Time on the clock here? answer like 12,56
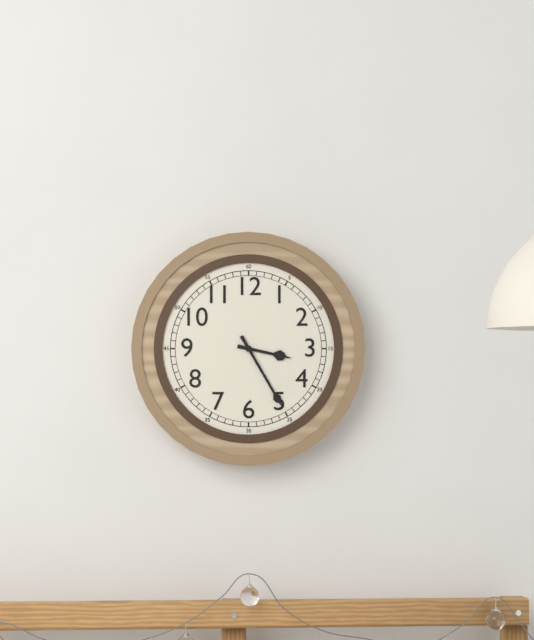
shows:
3,25
